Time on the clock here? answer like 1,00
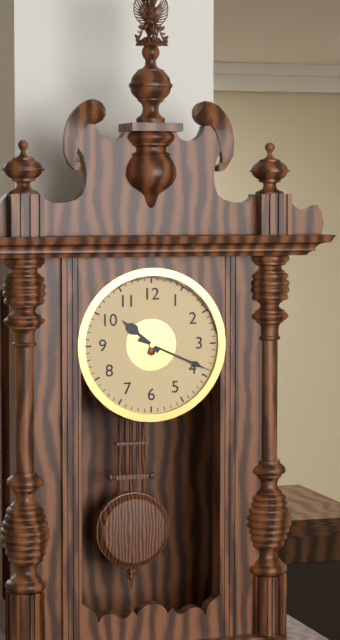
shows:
10,19
